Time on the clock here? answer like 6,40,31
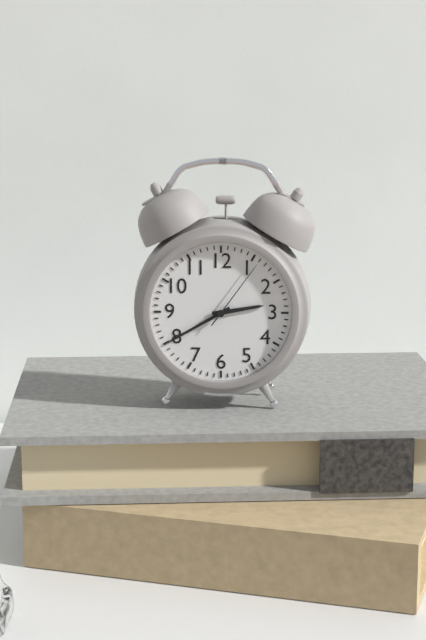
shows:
2,40,06
